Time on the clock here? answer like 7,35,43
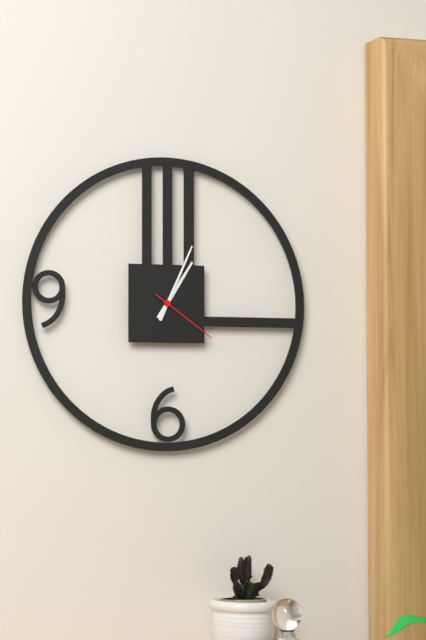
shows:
1,04,21
